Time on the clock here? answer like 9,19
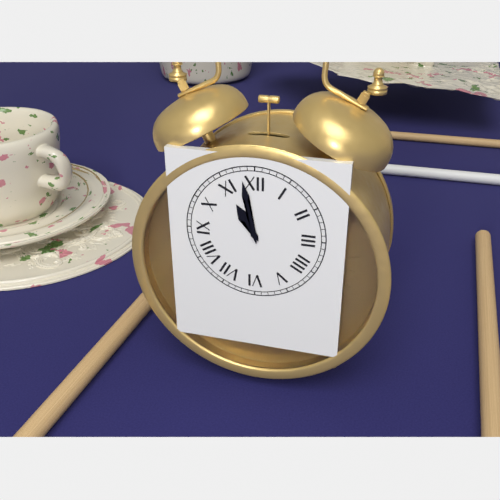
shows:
10,58
